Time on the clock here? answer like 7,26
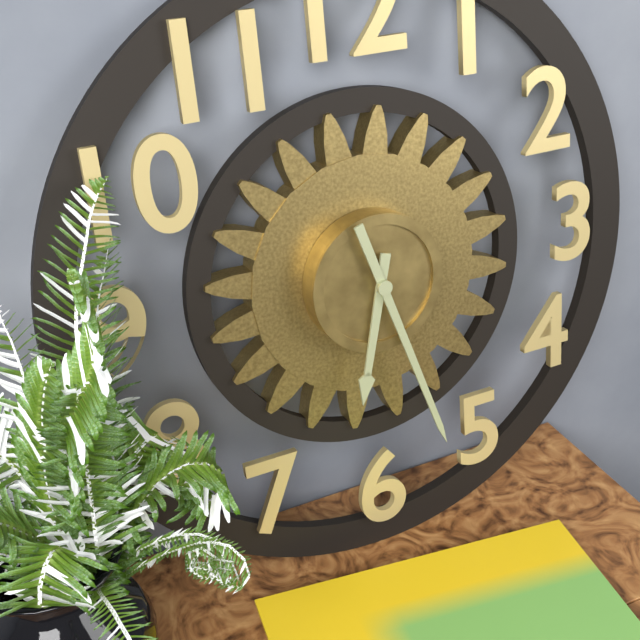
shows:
6,27
